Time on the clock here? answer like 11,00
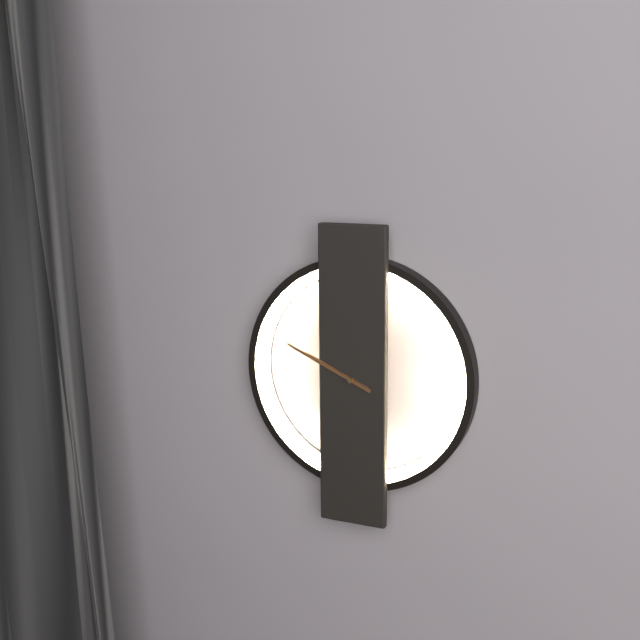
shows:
9,49
